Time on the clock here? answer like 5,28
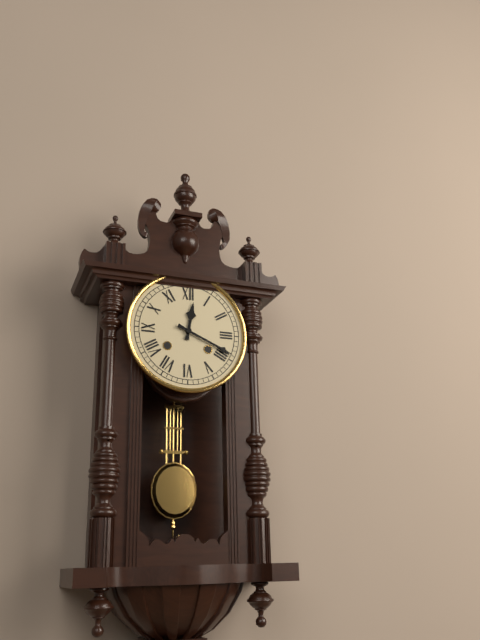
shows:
12,19
